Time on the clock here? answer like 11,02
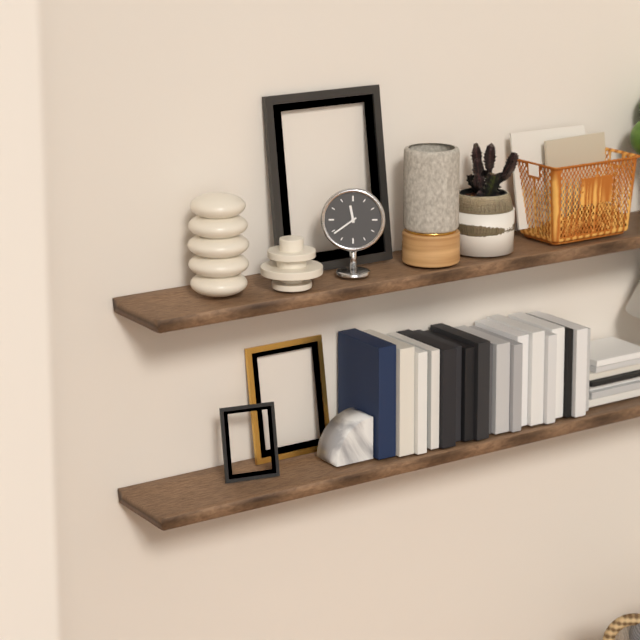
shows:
11,39
